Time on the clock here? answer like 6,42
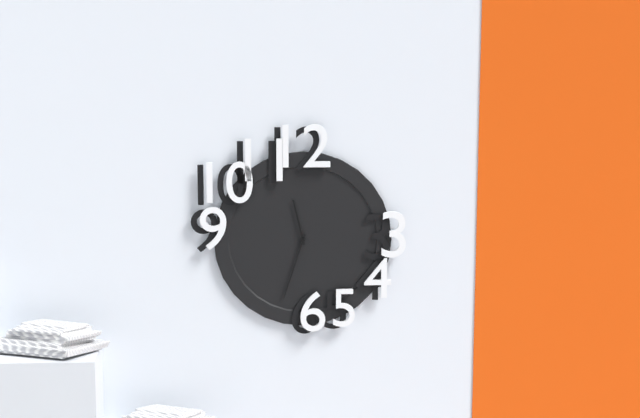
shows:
11,33
